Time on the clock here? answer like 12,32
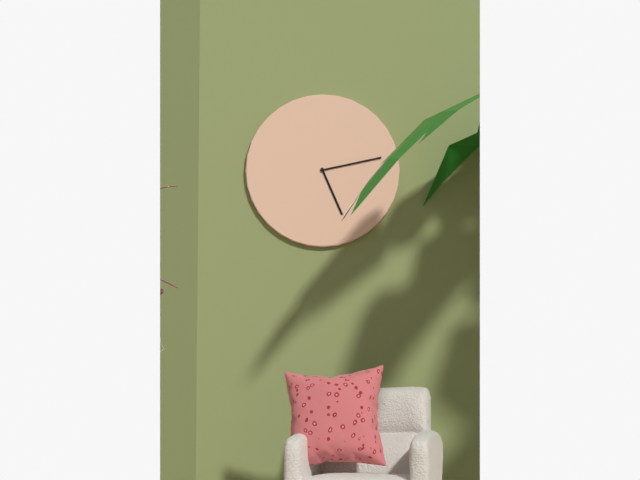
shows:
5,13
